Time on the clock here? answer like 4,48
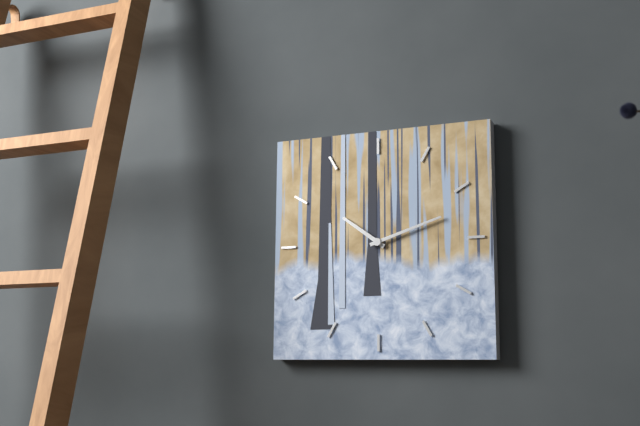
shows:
10,12
